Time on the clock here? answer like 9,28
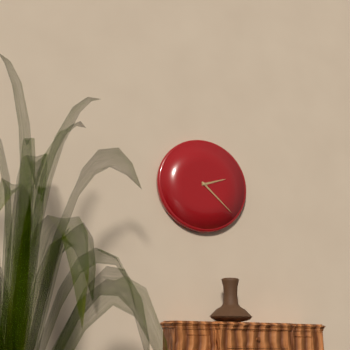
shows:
2,22
